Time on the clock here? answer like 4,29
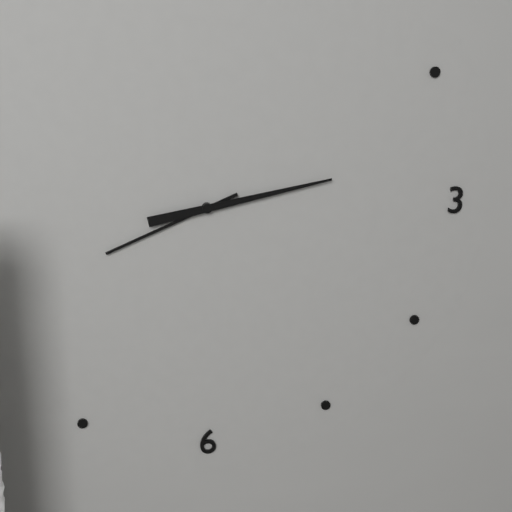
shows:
8,13
